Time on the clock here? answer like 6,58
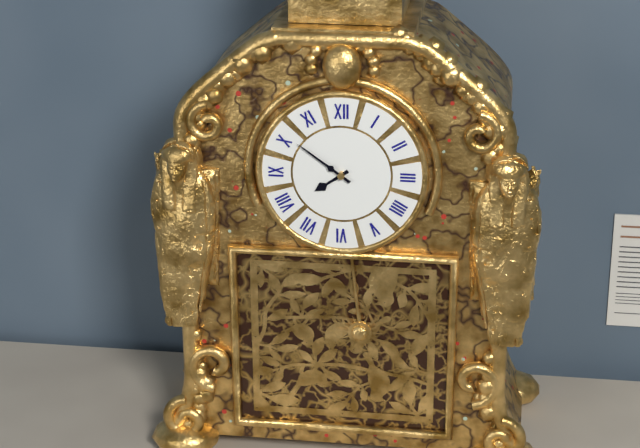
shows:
7,51
